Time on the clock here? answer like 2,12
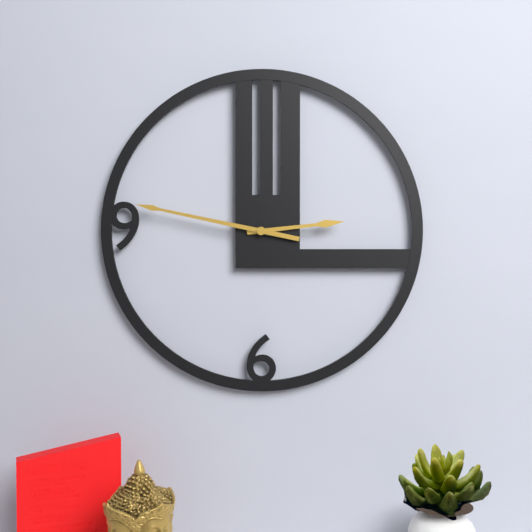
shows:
2,47
